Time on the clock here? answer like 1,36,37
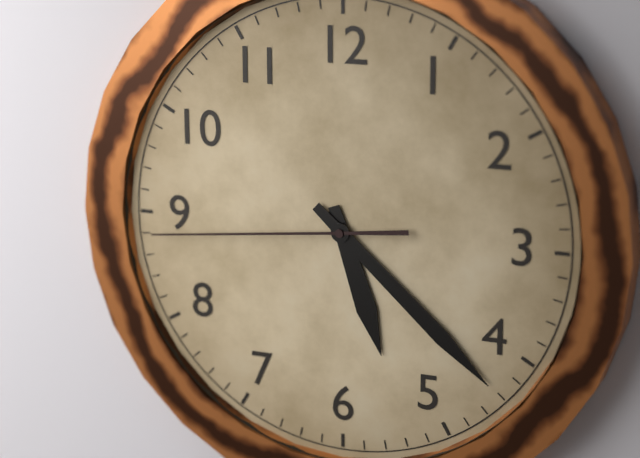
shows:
5,22,44
